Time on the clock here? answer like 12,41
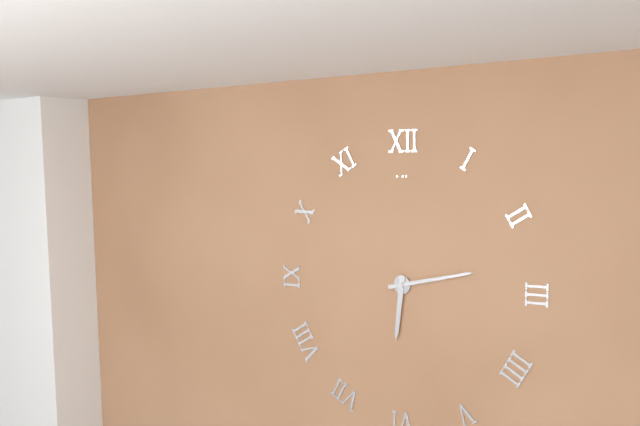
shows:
6,13
